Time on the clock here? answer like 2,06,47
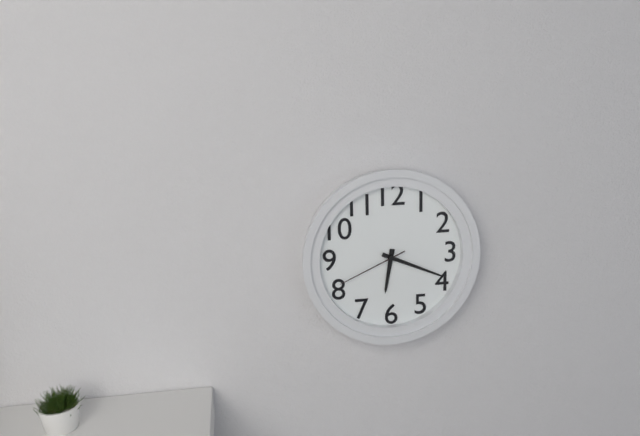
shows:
6,19,41
